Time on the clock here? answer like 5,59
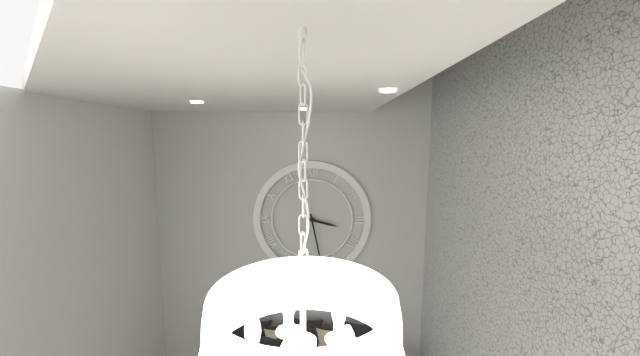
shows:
3,28
